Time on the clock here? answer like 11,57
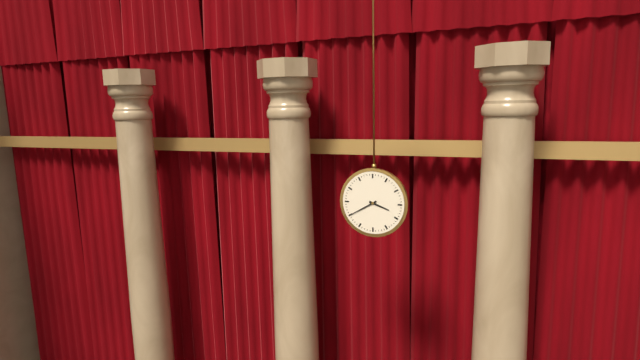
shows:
3,40
